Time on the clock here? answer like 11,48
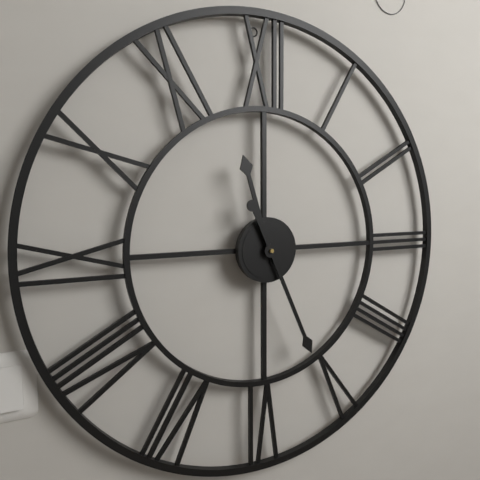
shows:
11,26
